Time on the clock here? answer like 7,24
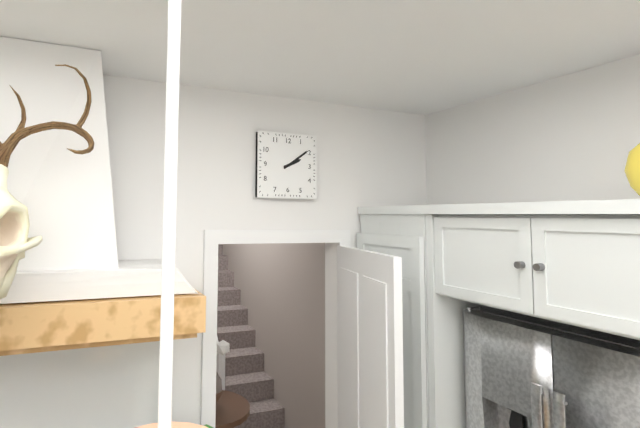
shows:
2,09
